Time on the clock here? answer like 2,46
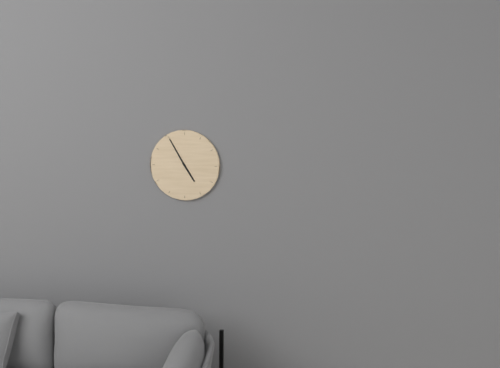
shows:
4,55
